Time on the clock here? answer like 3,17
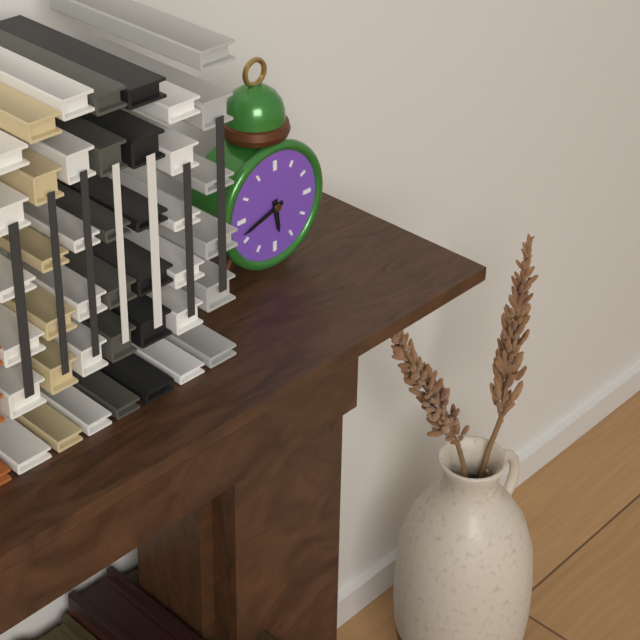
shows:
5,42
